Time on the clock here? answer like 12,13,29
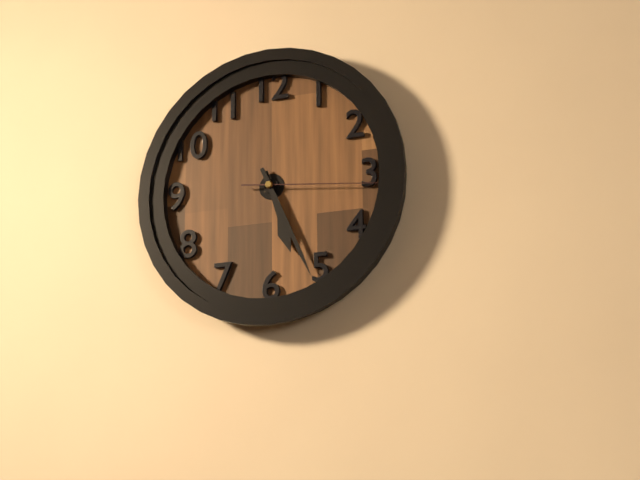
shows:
5,26,16
